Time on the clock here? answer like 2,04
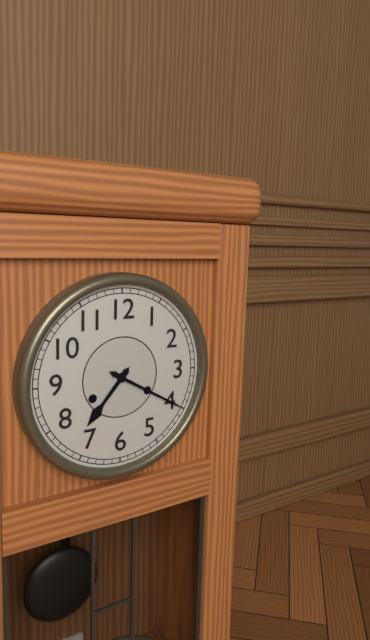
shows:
7,20
